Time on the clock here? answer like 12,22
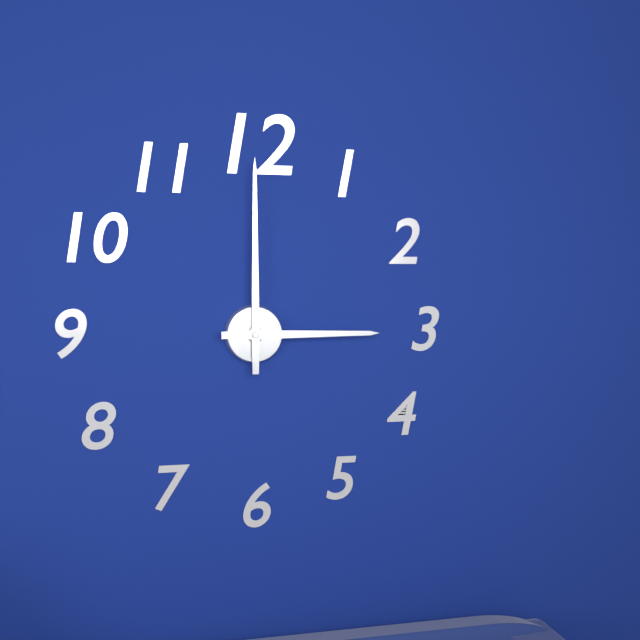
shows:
3,00
